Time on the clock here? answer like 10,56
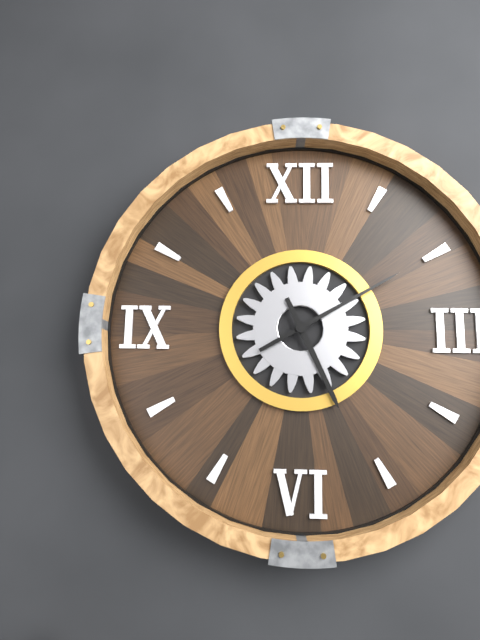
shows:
5,10
